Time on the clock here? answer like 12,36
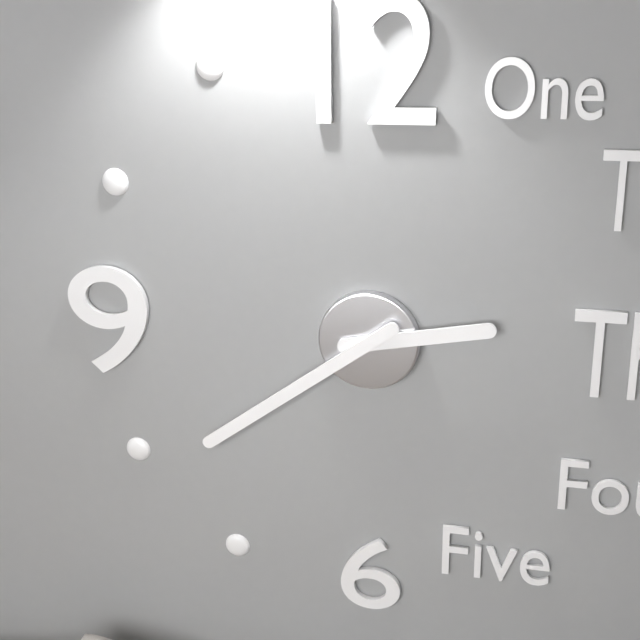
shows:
2,39
